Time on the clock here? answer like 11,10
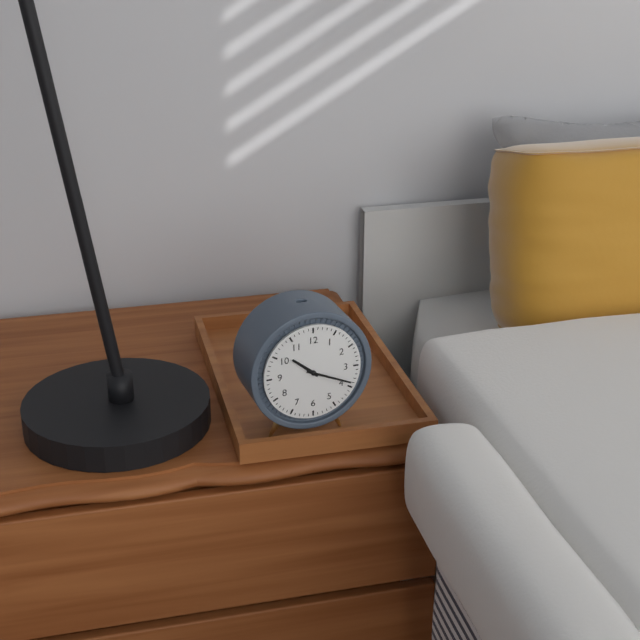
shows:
10,19
